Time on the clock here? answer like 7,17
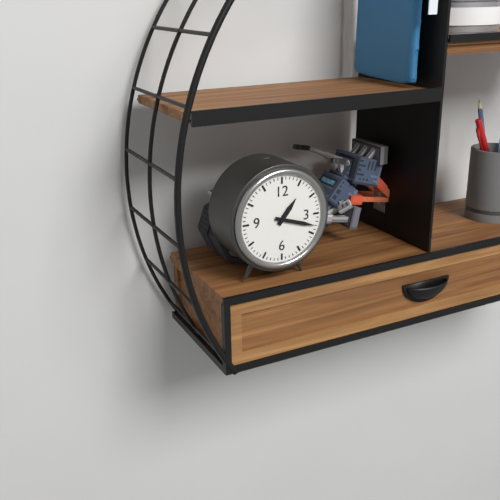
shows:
1,18
